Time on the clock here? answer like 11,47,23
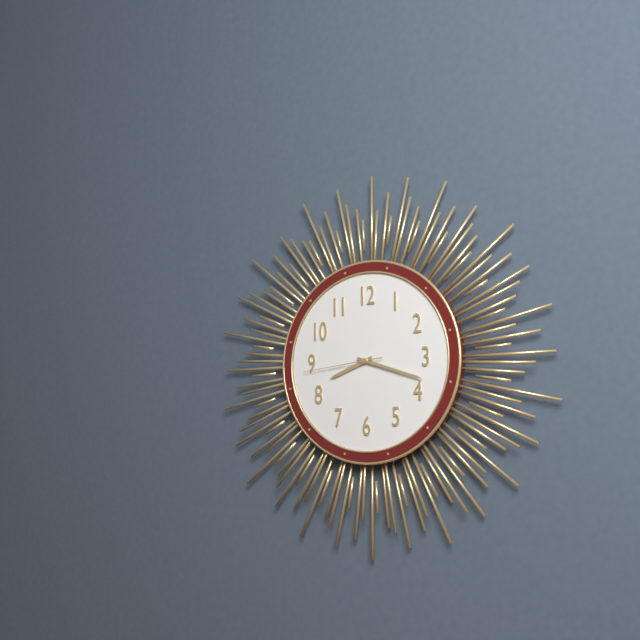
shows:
8,18,44
